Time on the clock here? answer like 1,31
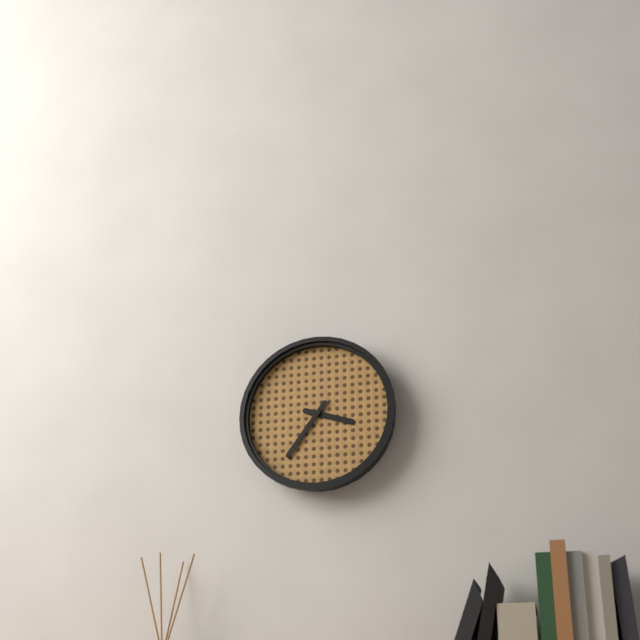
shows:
3,36
